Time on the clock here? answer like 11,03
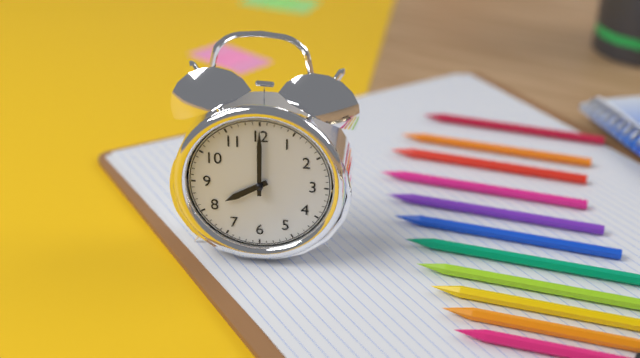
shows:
8,00
